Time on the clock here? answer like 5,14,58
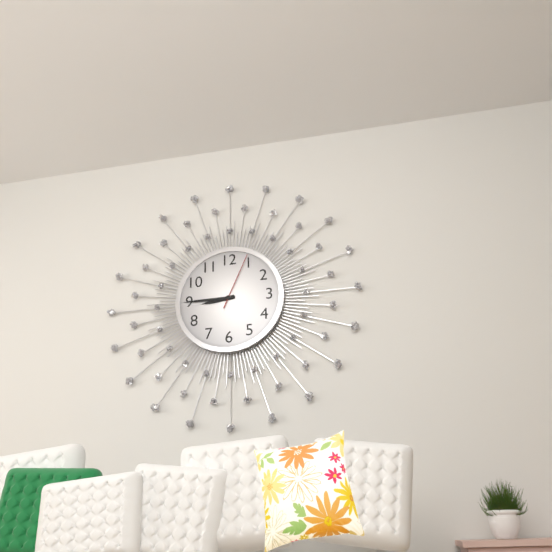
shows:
8,45,04
